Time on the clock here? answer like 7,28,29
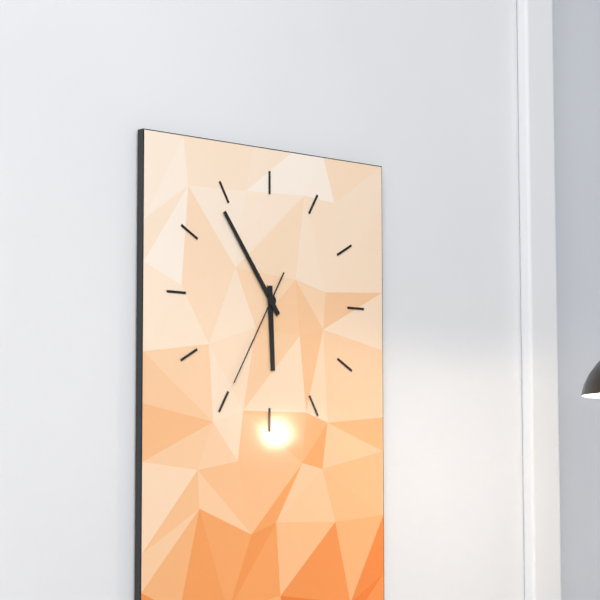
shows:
5,54,35
